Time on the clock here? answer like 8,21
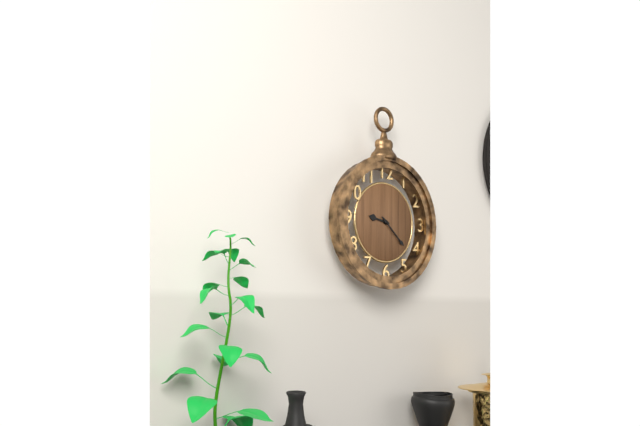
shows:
9,22
